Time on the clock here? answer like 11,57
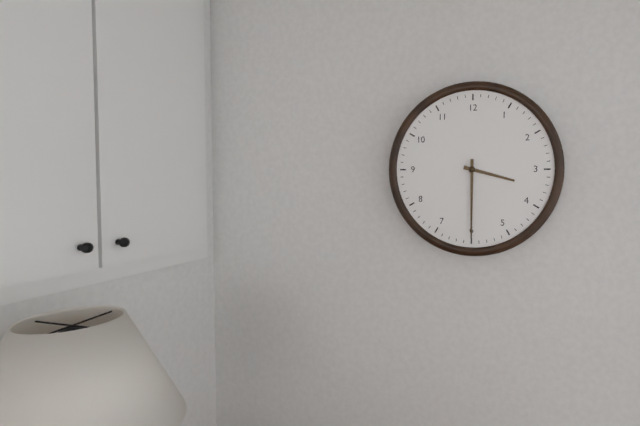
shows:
3,30
